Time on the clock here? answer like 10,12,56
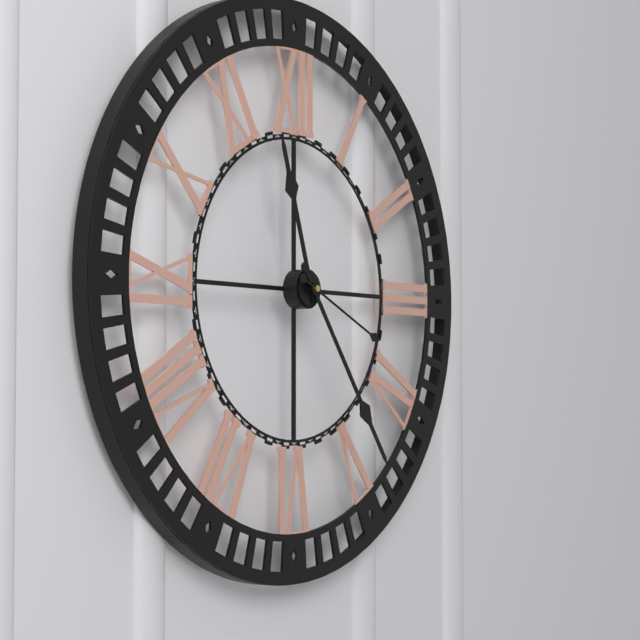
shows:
11,24,19
